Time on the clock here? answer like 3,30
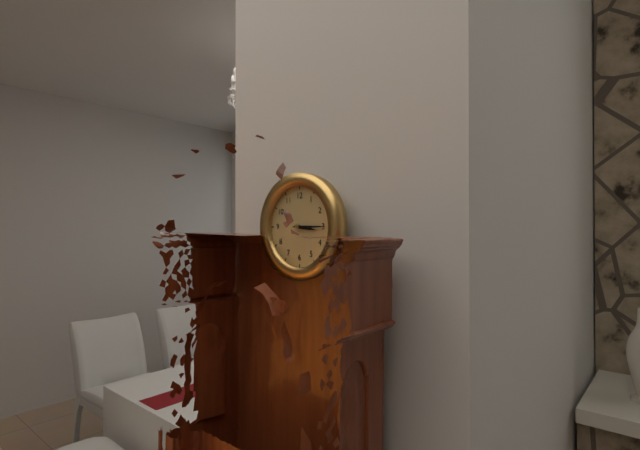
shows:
3,15
